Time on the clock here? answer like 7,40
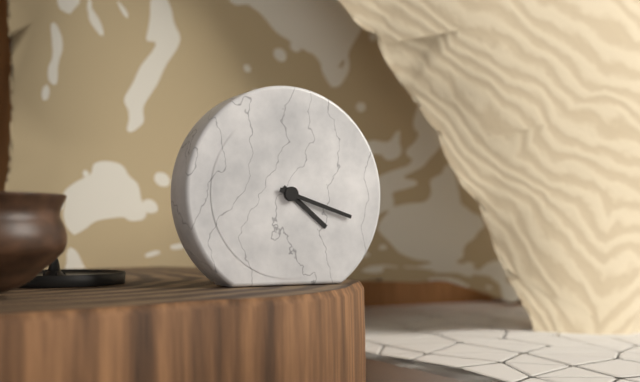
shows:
4,18
